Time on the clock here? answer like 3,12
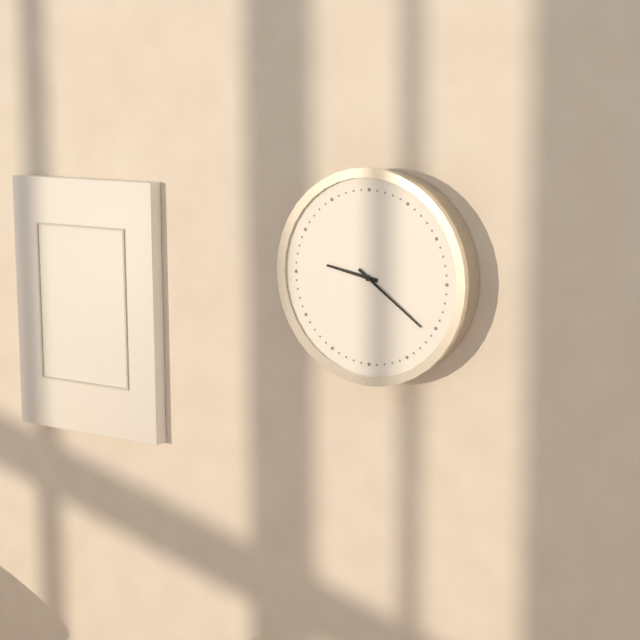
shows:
9,21
